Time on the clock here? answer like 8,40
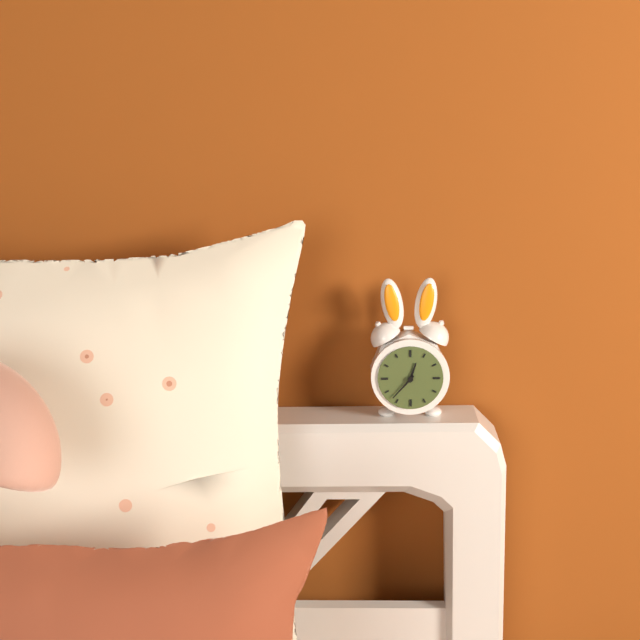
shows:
12,37
